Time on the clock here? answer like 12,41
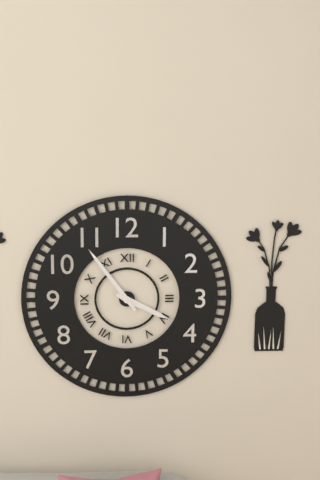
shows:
3,54
